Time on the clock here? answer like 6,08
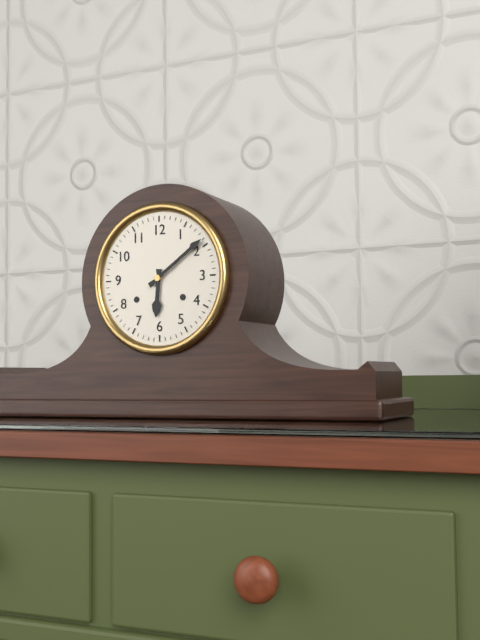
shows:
6,09
